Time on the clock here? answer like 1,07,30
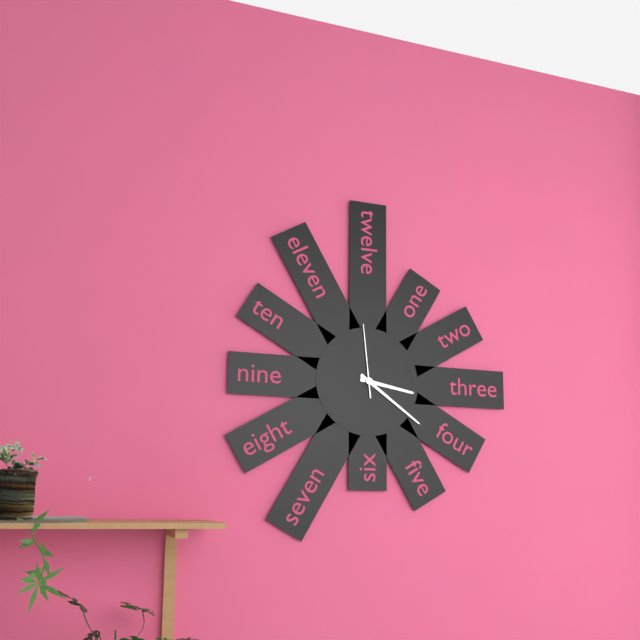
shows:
3,21,59
